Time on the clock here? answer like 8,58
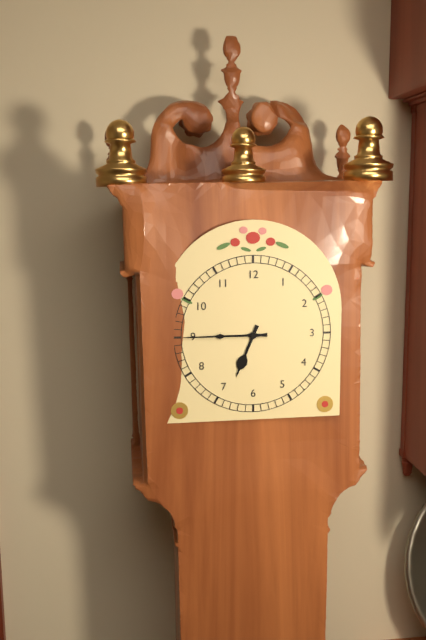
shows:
6,45
